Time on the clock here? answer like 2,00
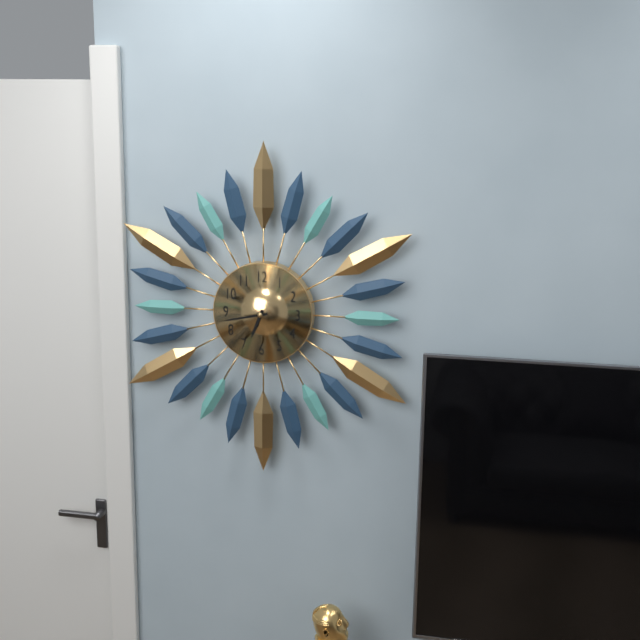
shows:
6,43
